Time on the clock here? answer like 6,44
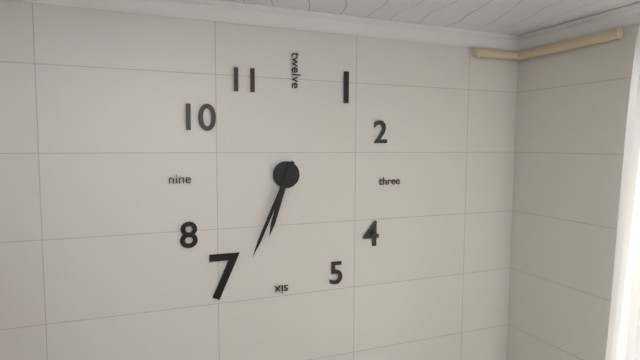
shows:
6,34
